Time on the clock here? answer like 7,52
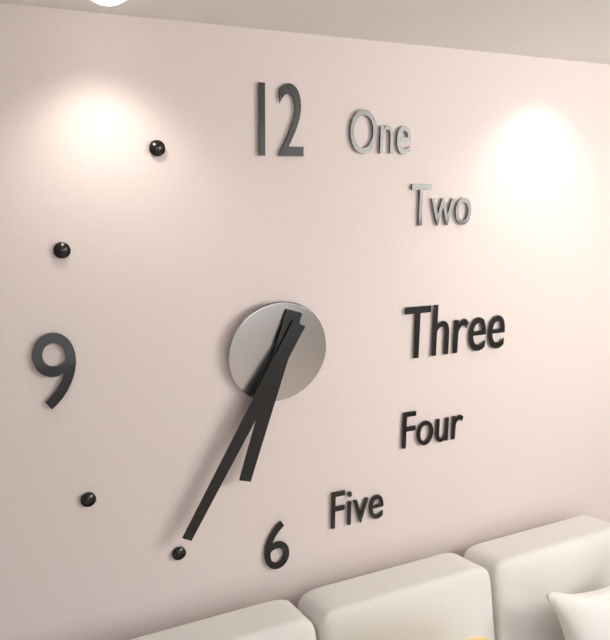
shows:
6,35
